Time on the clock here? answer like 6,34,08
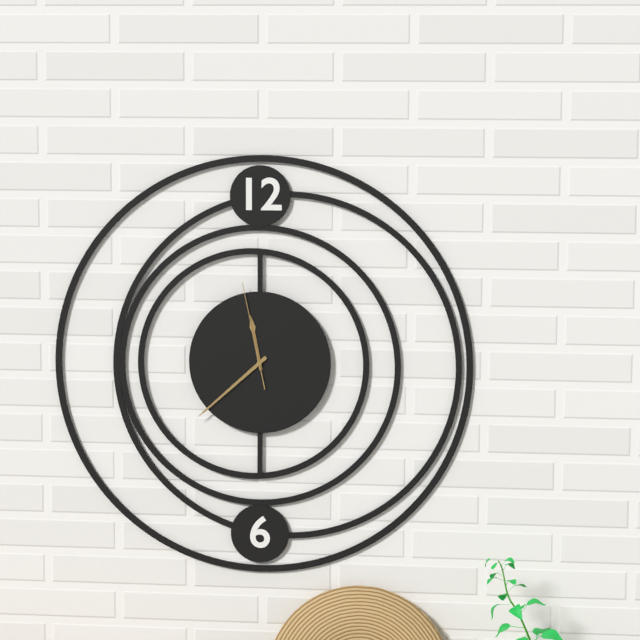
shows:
11,38,58
